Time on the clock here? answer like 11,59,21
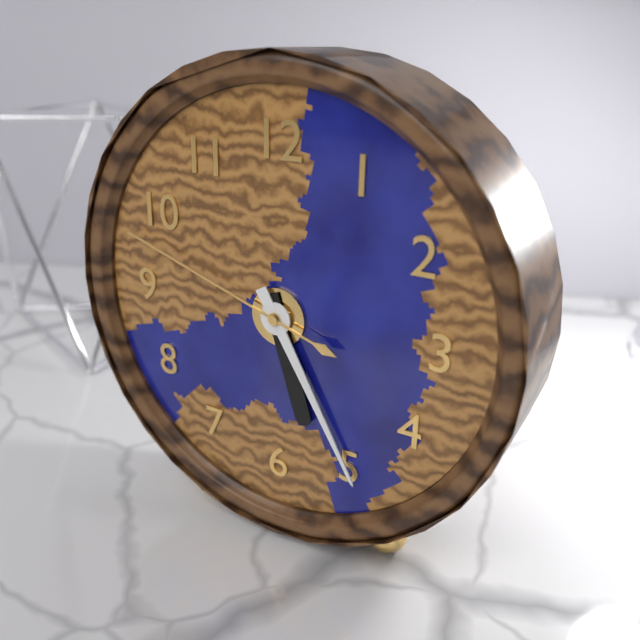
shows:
5,25,48
